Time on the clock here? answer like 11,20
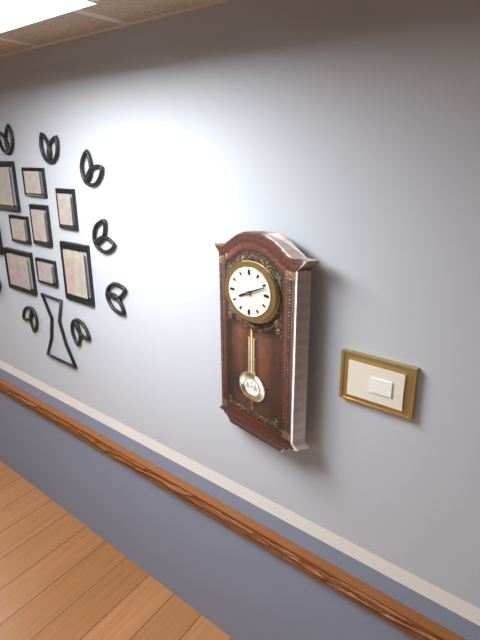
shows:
8,11
